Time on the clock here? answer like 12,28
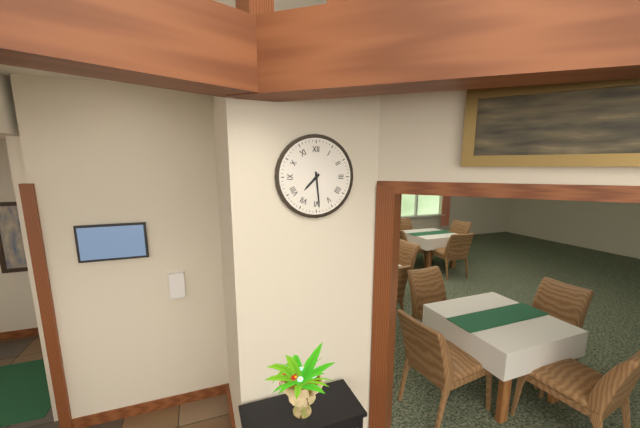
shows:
7,29
